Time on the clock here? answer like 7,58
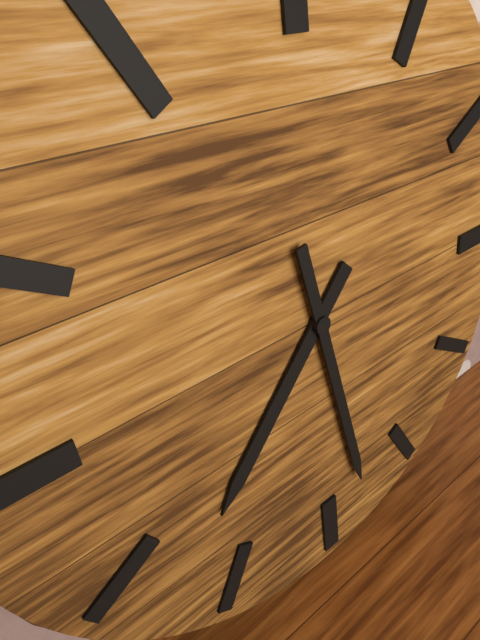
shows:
7,28
